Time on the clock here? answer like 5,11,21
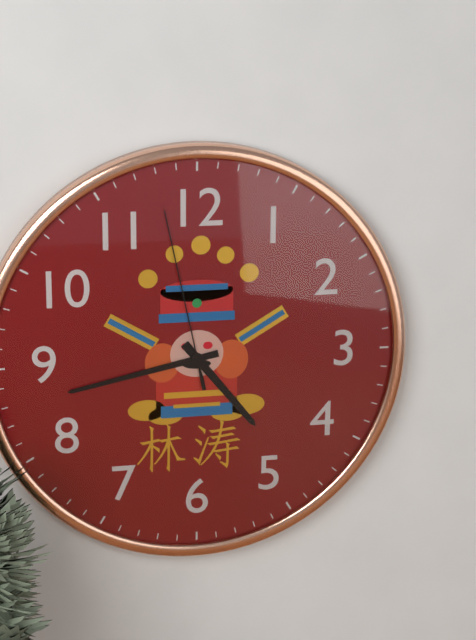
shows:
4,43,58
